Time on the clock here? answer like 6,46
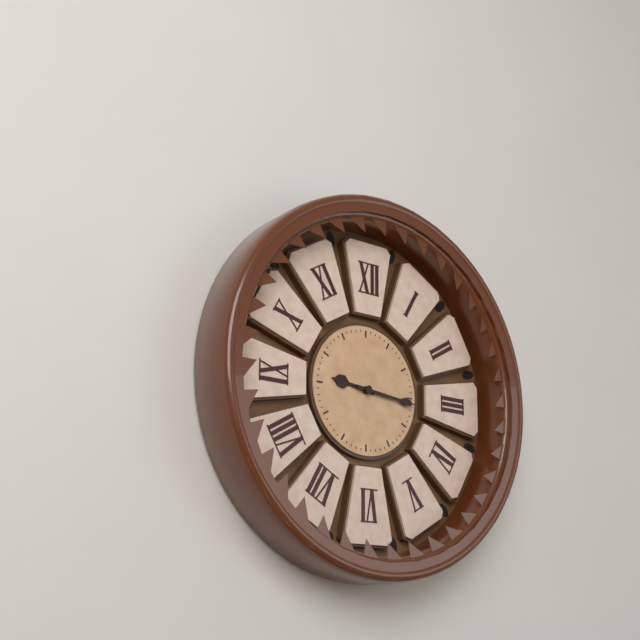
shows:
9,16
